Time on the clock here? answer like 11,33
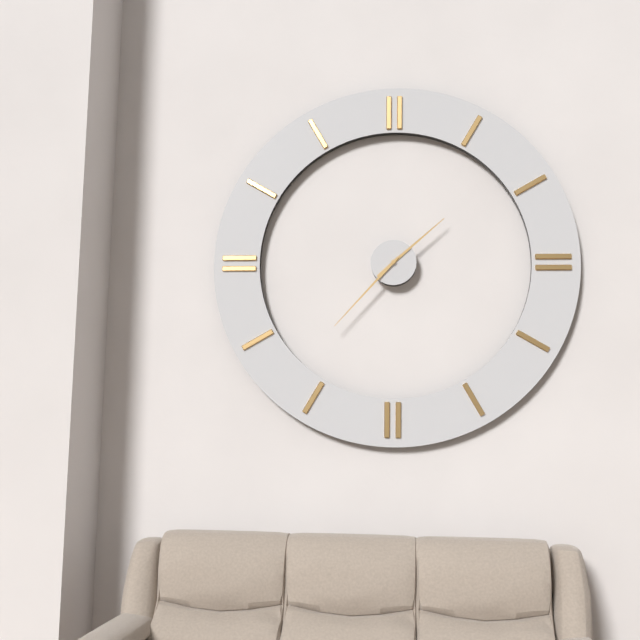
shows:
1,37
